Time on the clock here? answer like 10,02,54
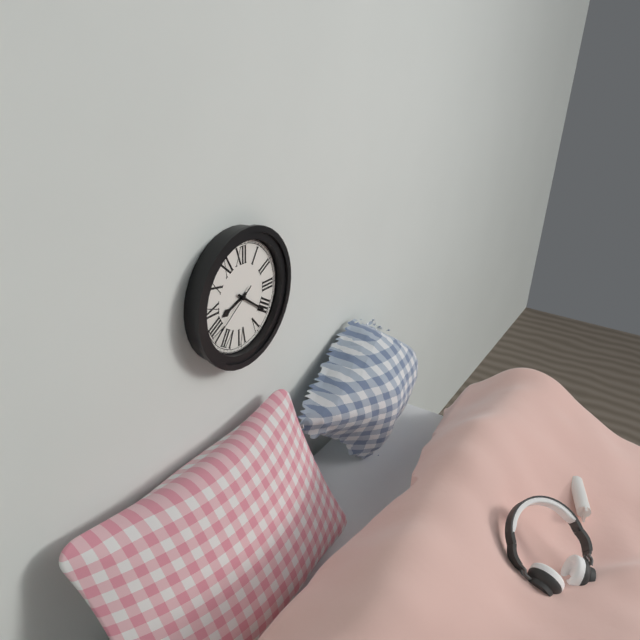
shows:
8,21,39
